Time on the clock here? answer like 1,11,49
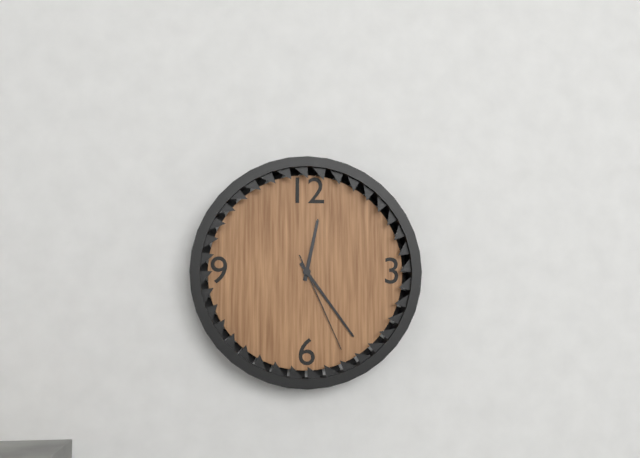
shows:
12,24,26
